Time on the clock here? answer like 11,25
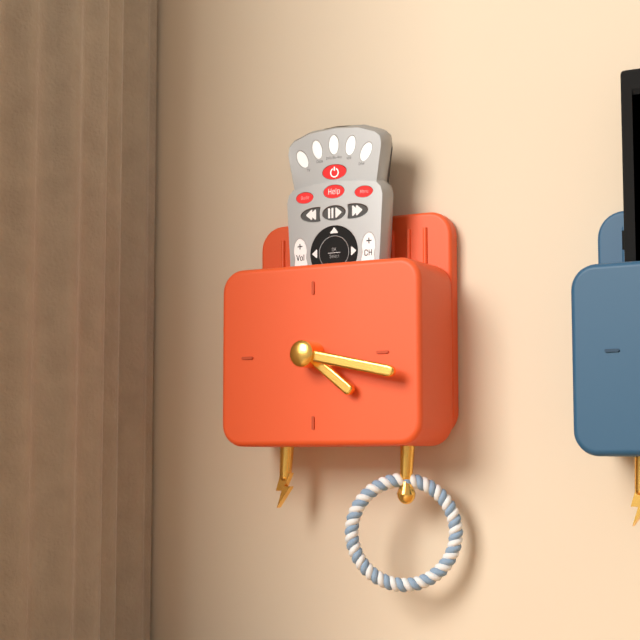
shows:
4,17
